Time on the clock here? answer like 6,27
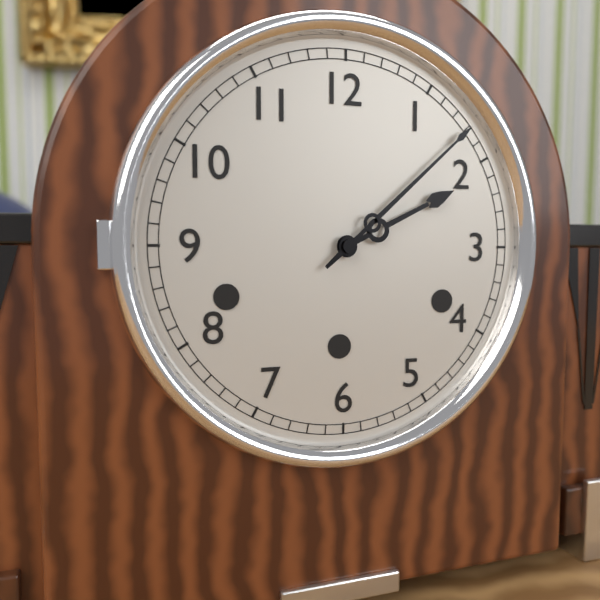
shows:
2,08
